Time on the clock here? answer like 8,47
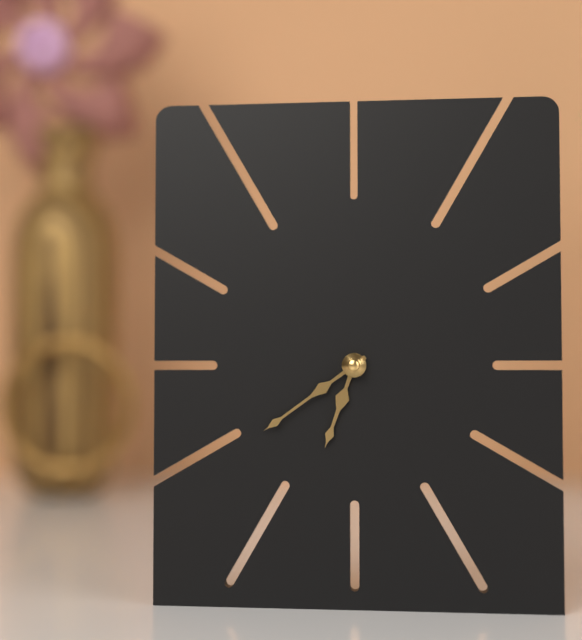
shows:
6,39
